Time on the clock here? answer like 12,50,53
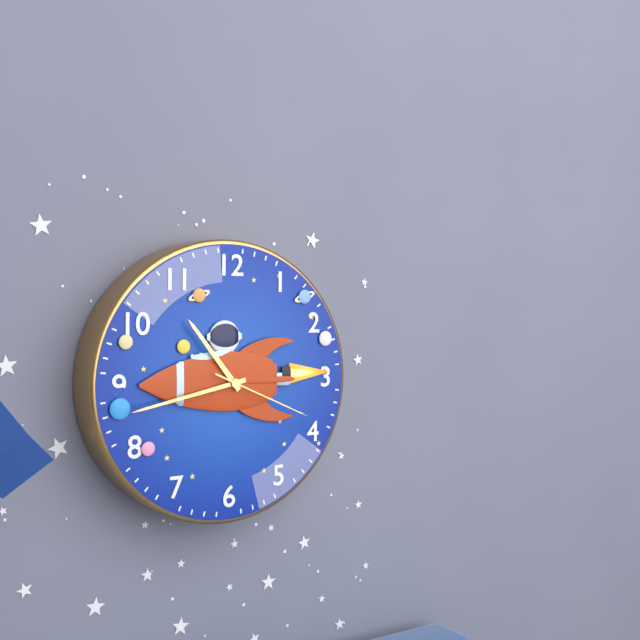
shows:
10,43,19
